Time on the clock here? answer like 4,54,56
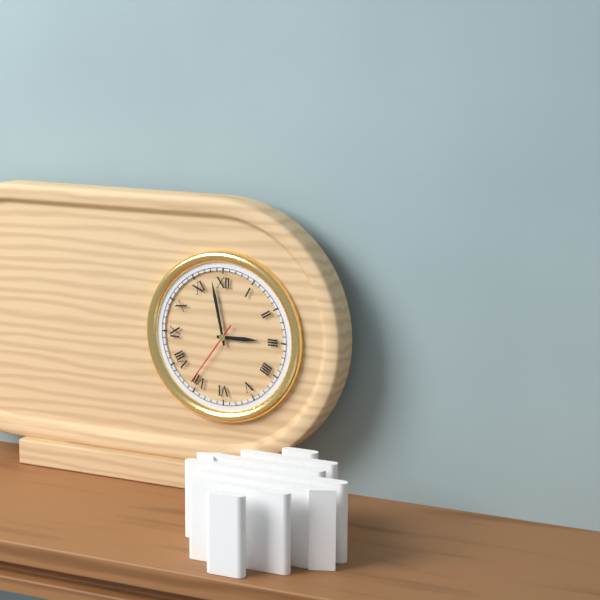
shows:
2,58,36
